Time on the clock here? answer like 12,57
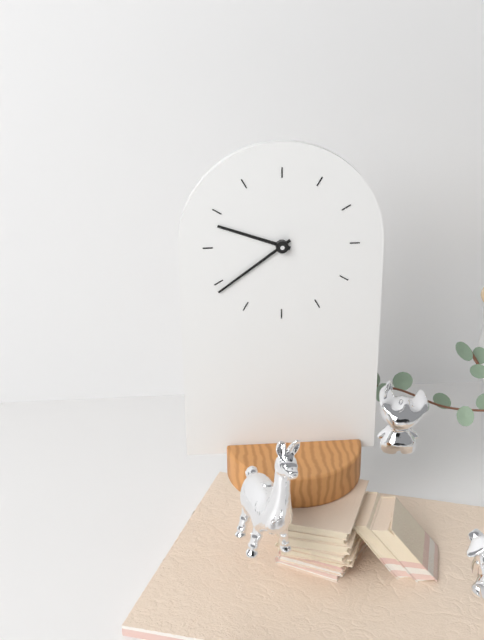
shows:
9,39
